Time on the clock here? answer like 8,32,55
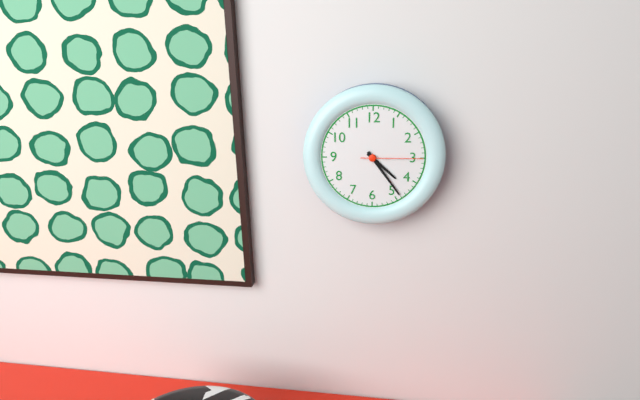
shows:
4,24,15
